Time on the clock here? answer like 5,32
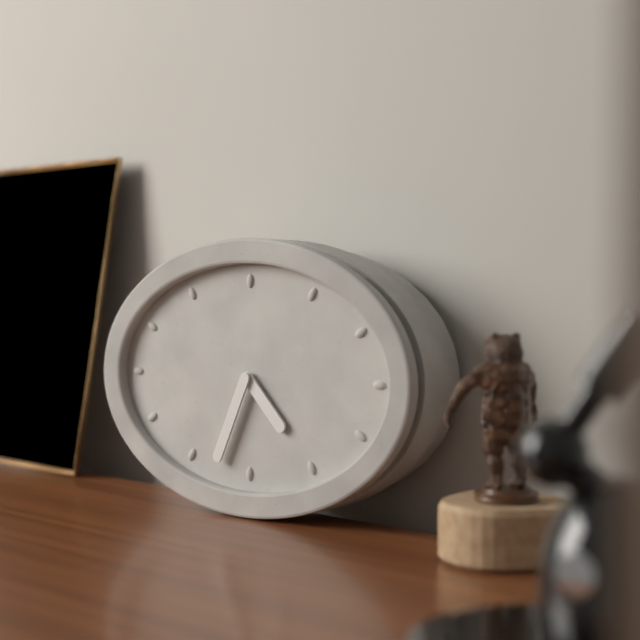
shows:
4,34
